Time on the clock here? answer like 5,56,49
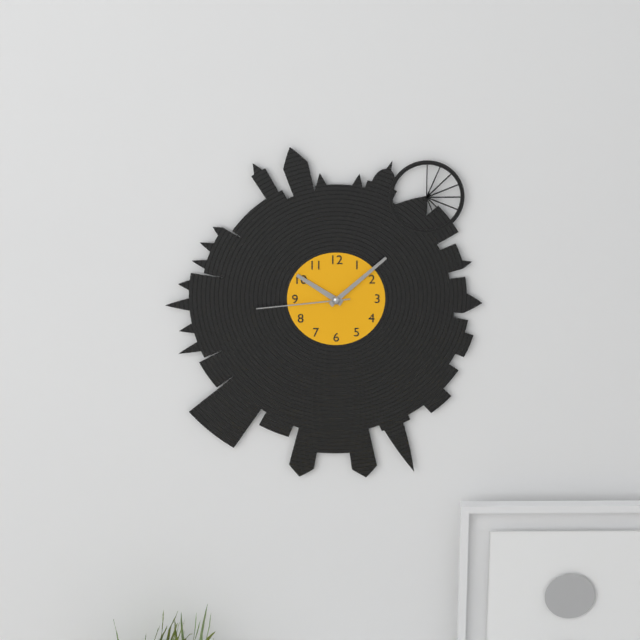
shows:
10,08,44
